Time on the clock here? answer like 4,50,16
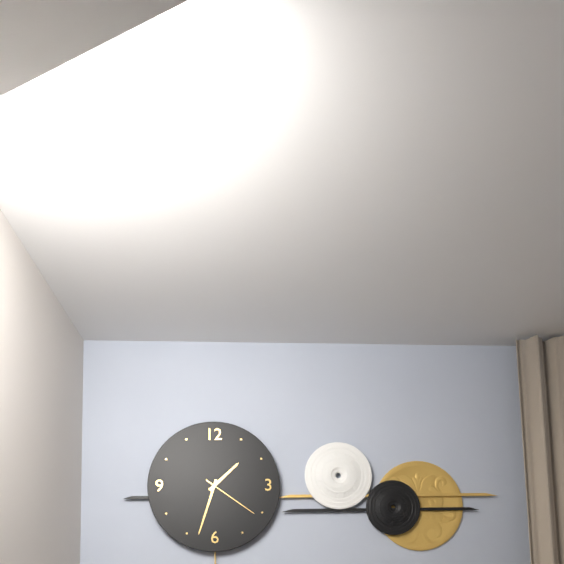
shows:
1,33,21
